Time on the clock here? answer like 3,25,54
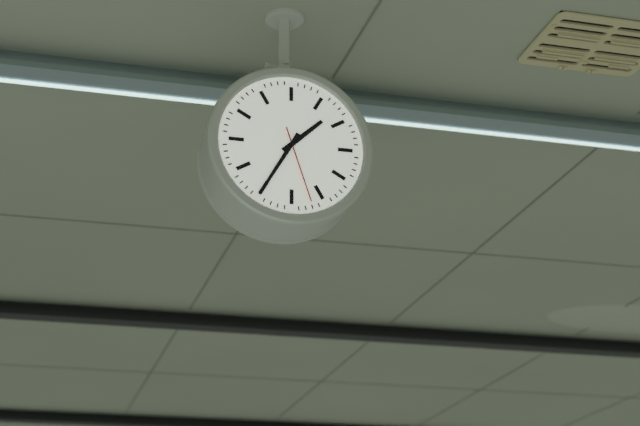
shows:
1,35,27
